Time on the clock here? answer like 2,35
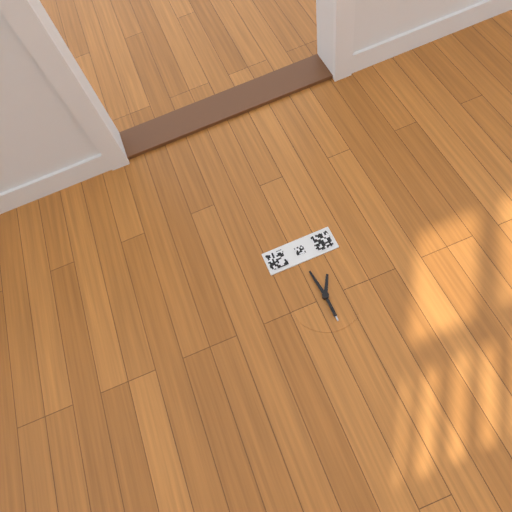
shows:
12,59
